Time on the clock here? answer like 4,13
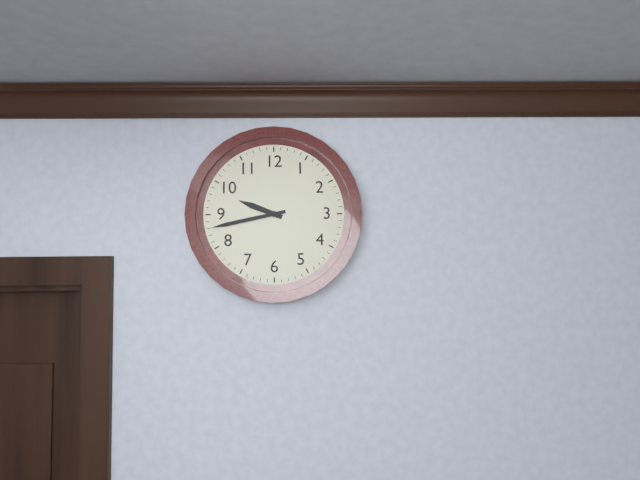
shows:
9,43
